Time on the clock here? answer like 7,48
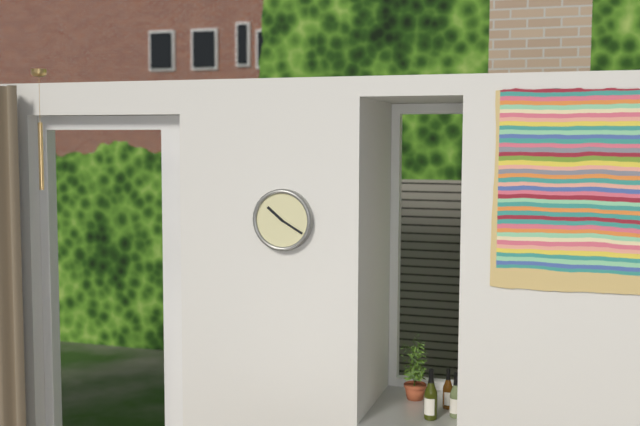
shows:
10,20
